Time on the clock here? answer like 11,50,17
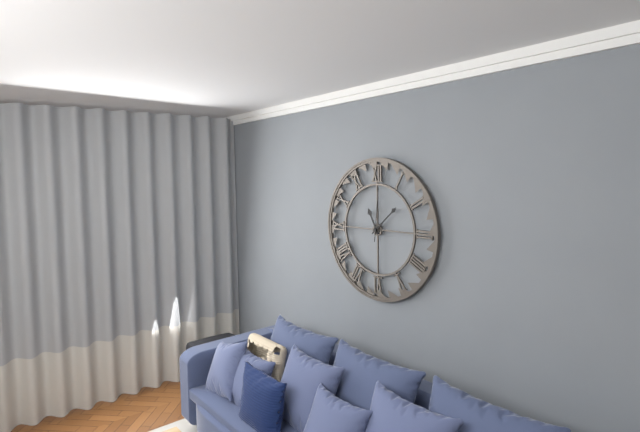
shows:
11,08,01
